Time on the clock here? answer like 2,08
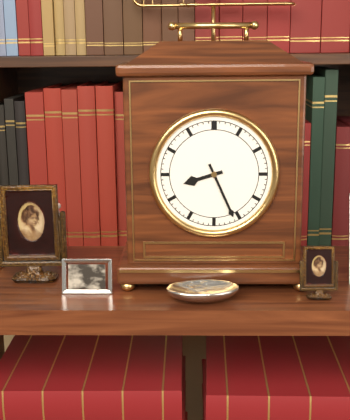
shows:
8,26
